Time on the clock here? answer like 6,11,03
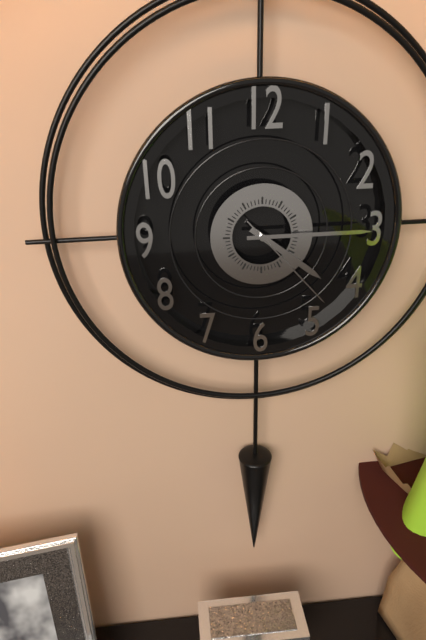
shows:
4,15,23
